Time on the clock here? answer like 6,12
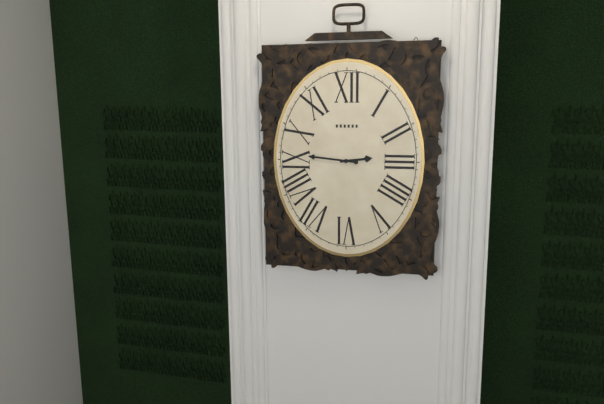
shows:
2,46
